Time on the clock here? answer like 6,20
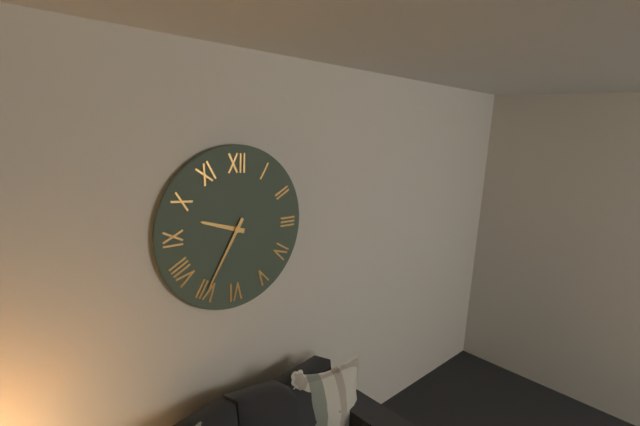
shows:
9,35
